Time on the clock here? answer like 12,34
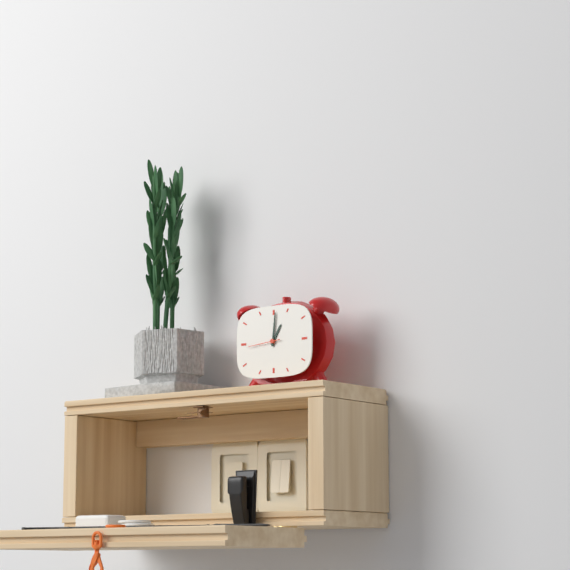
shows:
1,01
